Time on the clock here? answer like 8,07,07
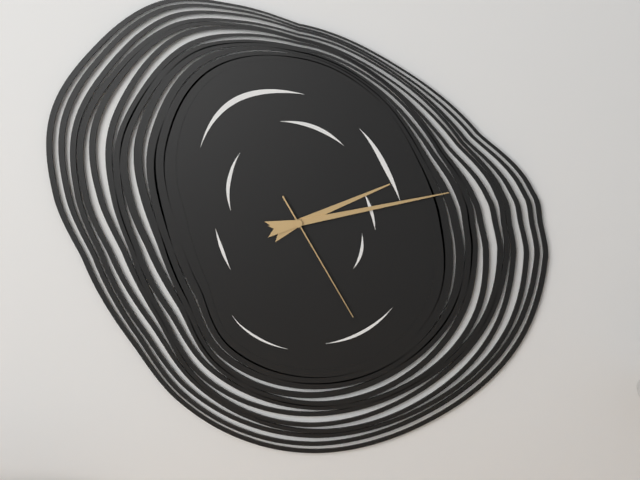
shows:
2,13,25
